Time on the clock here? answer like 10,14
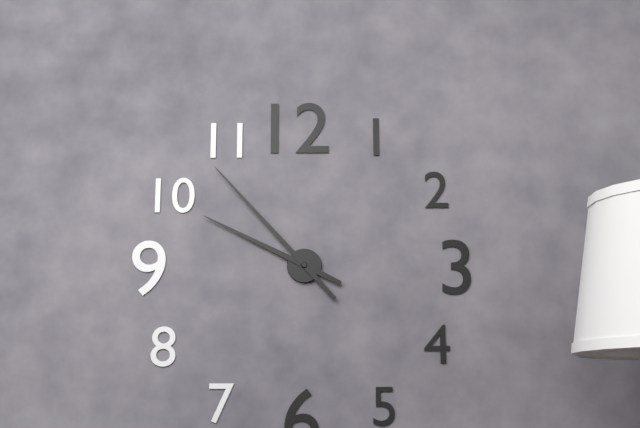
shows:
9,53
